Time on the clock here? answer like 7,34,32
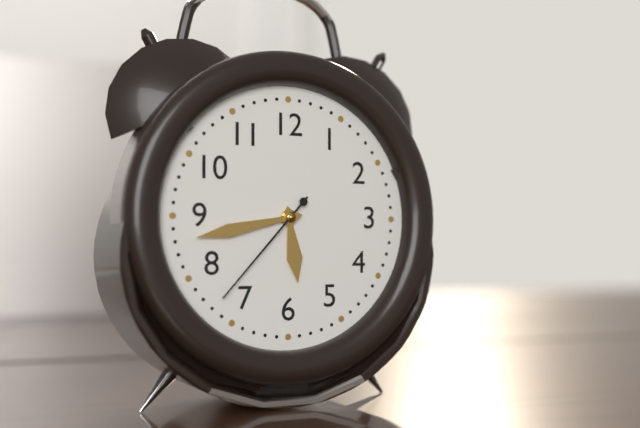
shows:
5,43,37
